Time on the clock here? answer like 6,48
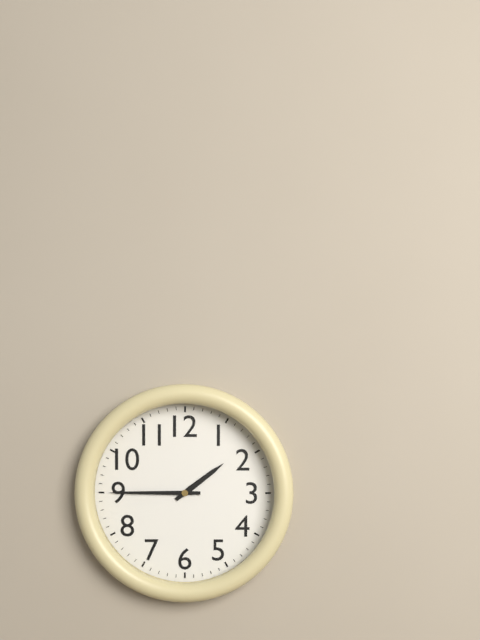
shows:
1,45
